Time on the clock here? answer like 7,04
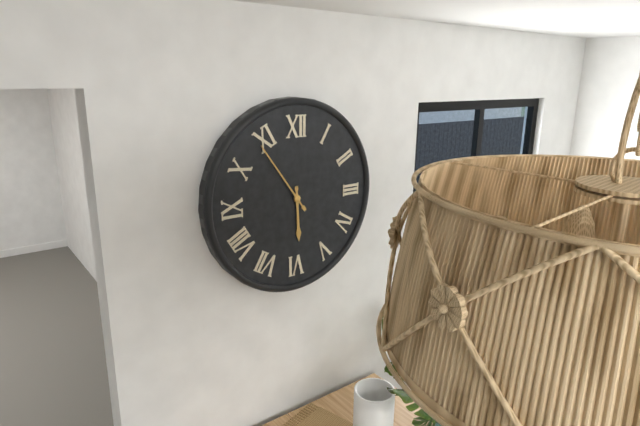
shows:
5,54
